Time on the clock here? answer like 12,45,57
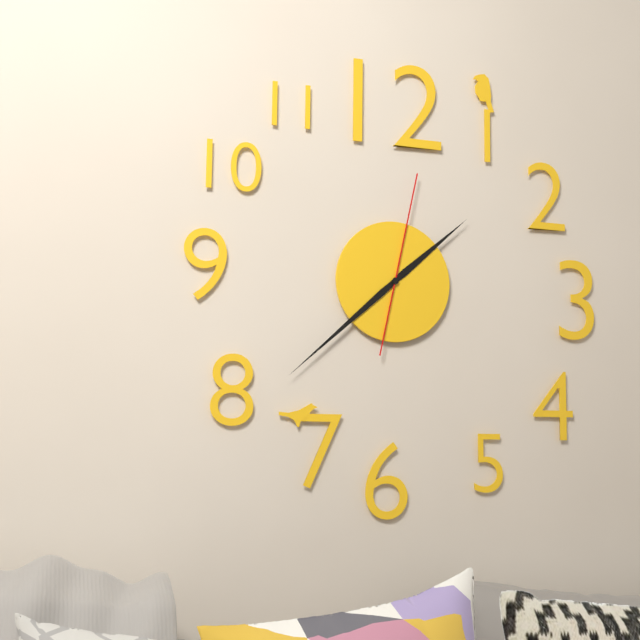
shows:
1,38,02
